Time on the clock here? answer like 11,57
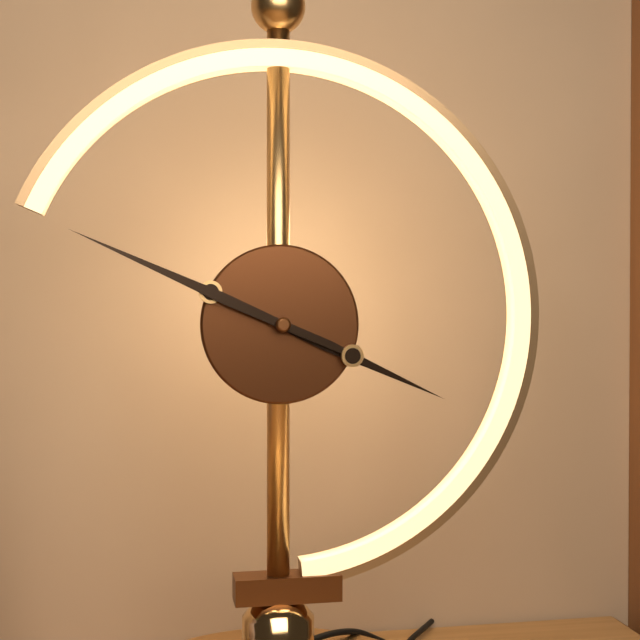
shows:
3,49
